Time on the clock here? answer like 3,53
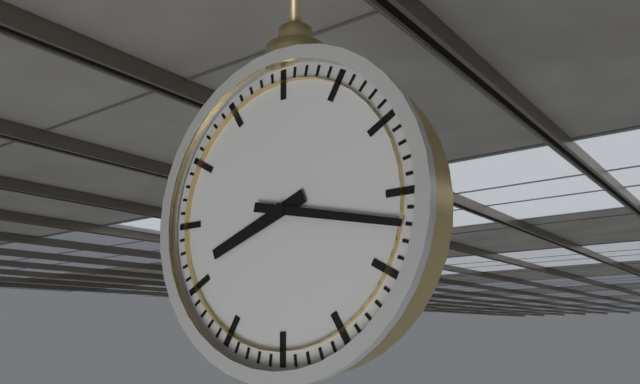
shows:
8,17
